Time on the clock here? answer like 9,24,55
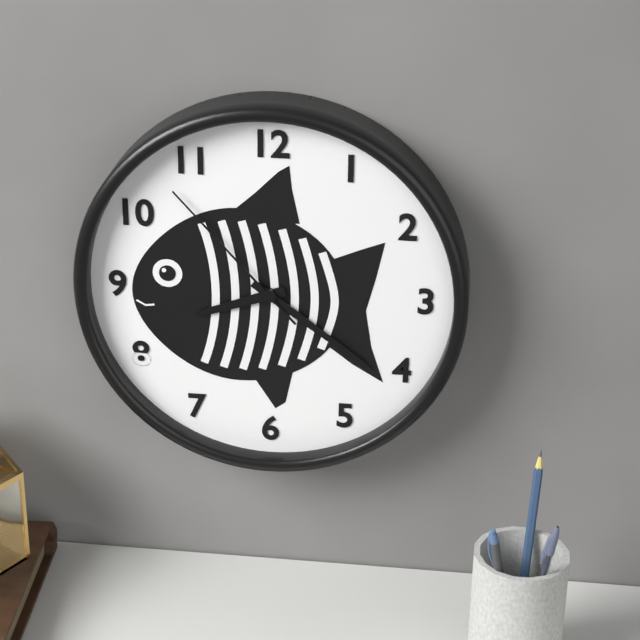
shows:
8,21,53
